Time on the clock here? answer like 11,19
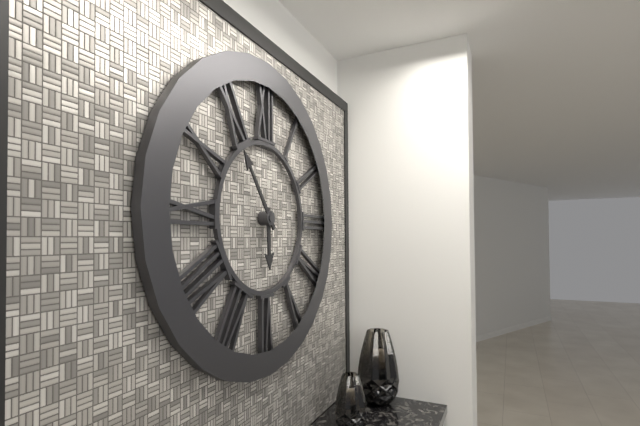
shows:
5,54
